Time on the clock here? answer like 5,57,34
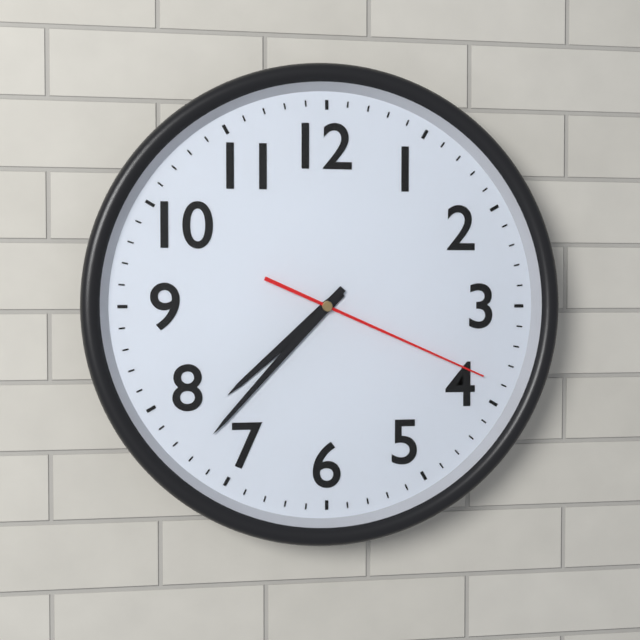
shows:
7,37,19
